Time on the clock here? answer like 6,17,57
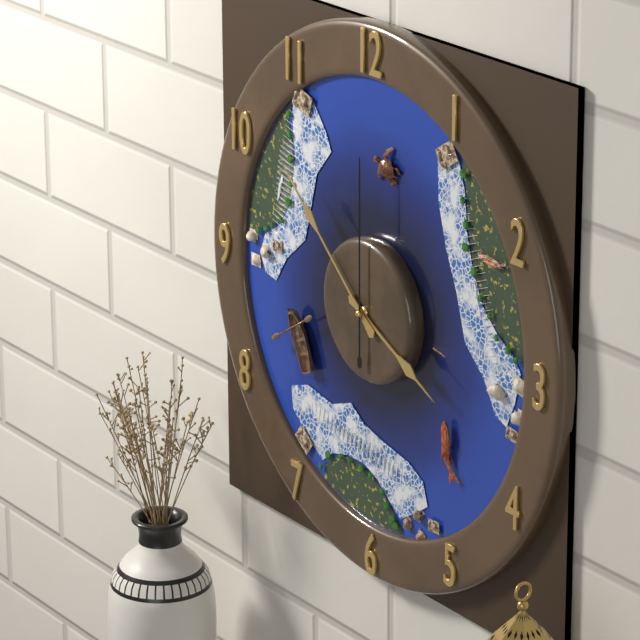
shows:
3,52,00
